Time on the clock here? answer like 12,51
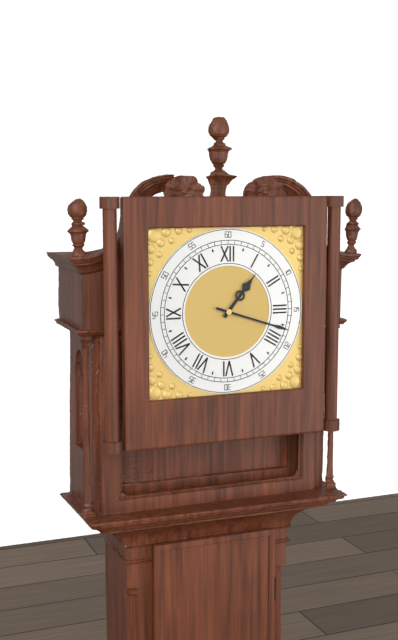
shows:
1,18
